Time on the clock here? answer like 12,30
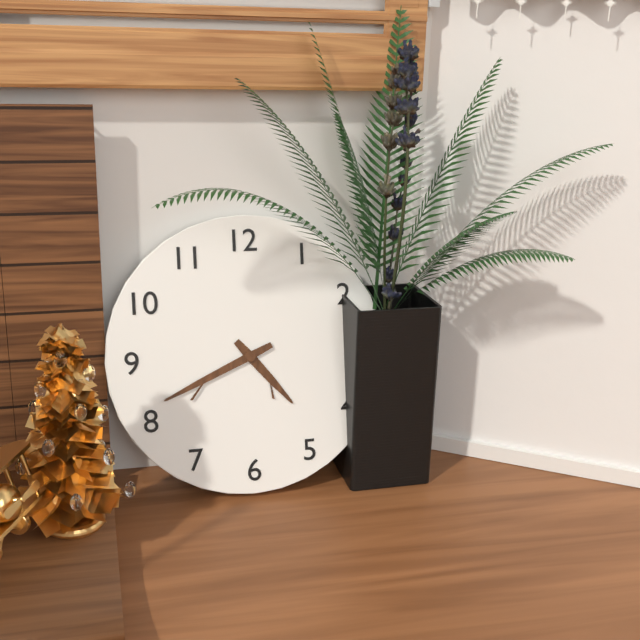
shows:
4,41
